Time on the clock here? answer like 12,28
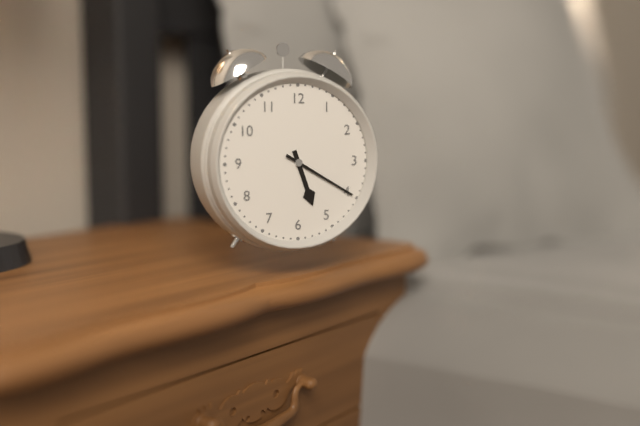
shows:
5,20
